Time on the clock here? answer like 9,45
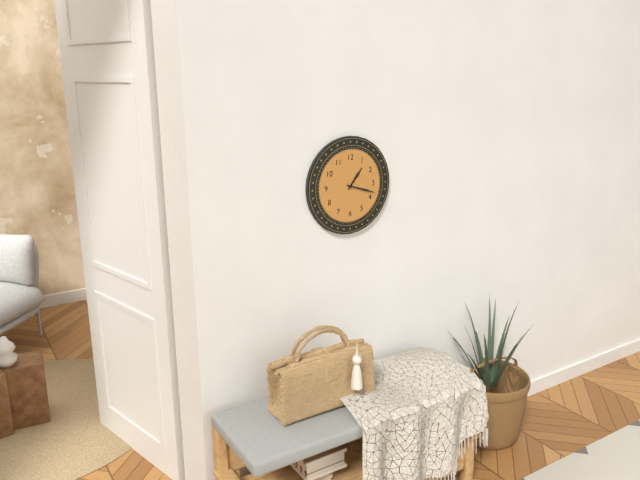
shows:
1,18
